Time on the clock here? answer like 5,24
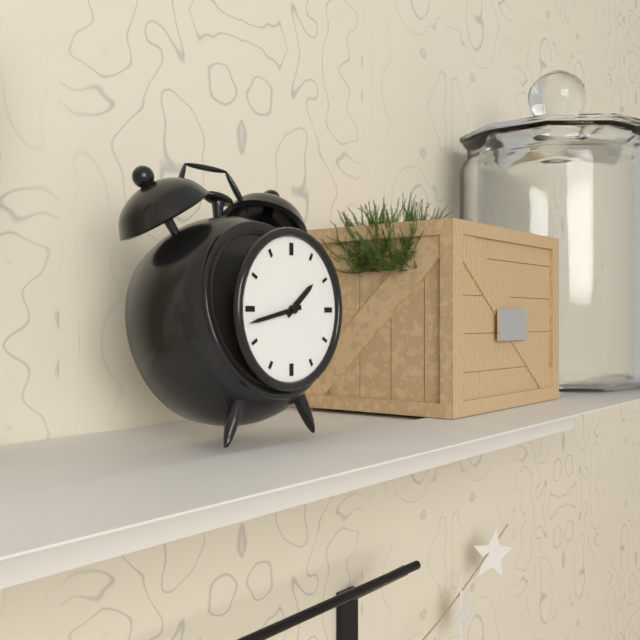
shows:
1,43
